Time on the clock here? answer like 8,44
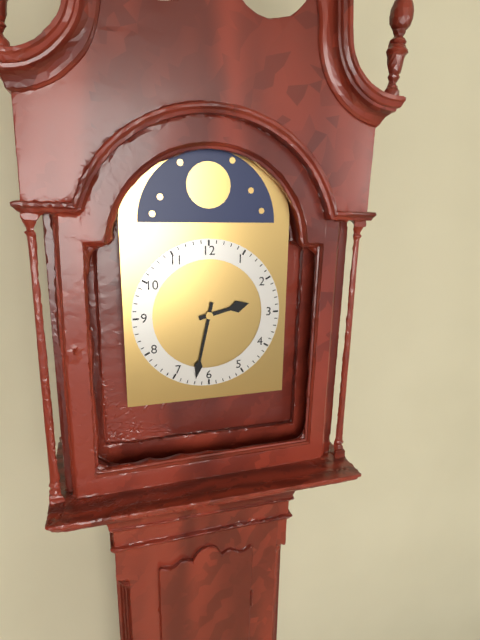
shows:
2,32
